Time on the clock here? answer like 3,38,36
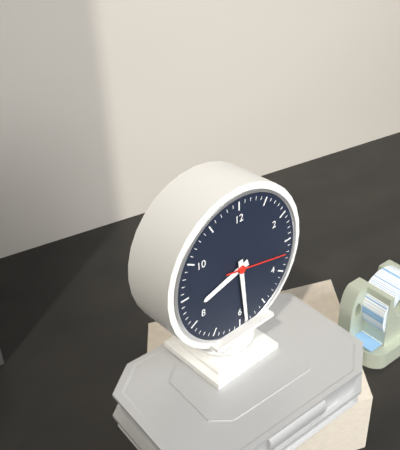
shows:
8,29,17
